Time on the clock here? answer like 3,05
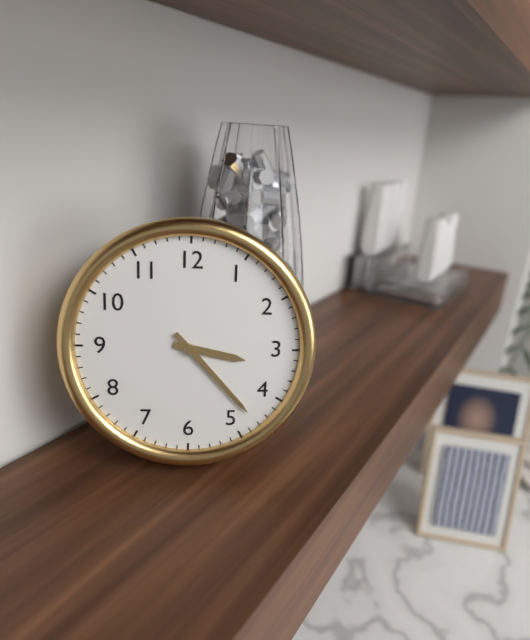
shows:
3,23
